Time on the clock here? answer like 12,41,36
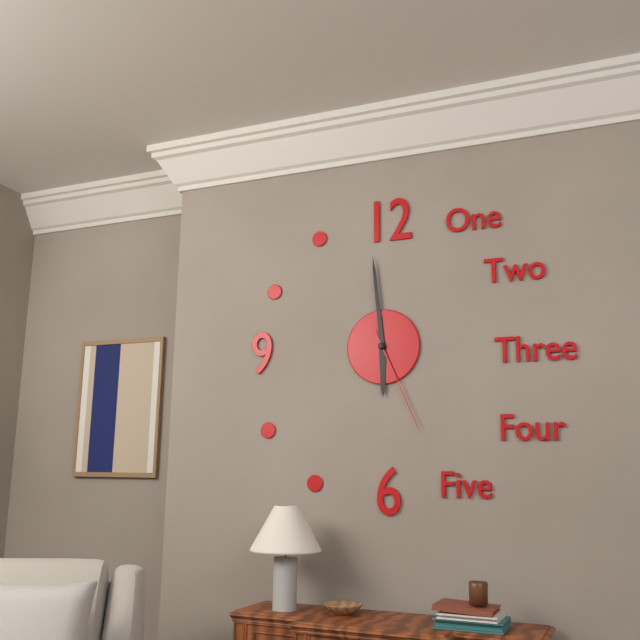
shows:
5,59,26
